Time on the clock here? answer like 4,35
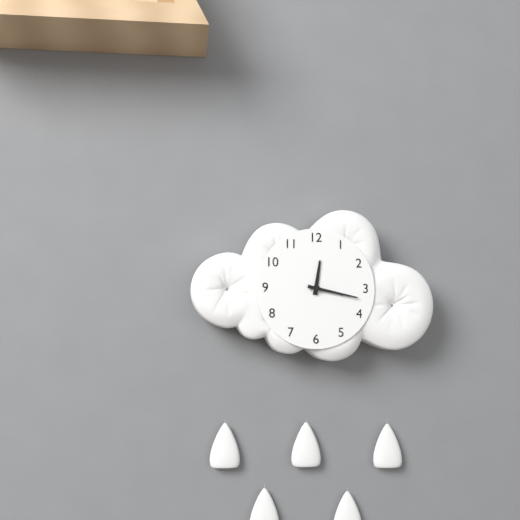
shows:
12,17
